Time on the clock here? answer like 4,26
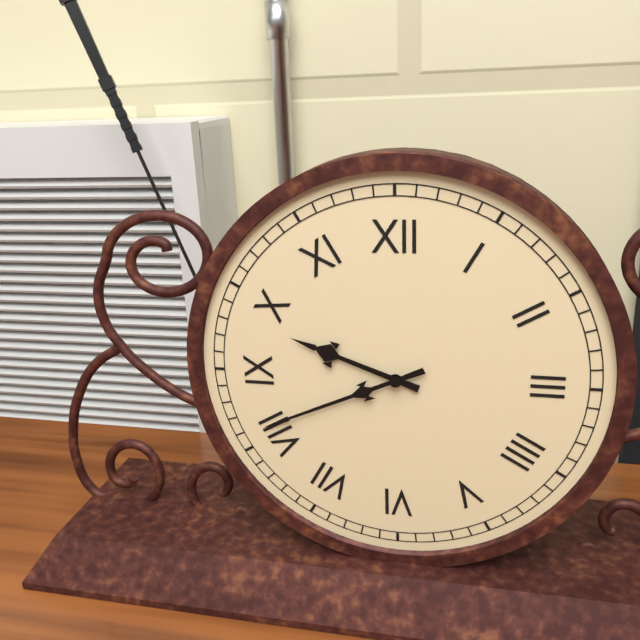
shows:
9,41
